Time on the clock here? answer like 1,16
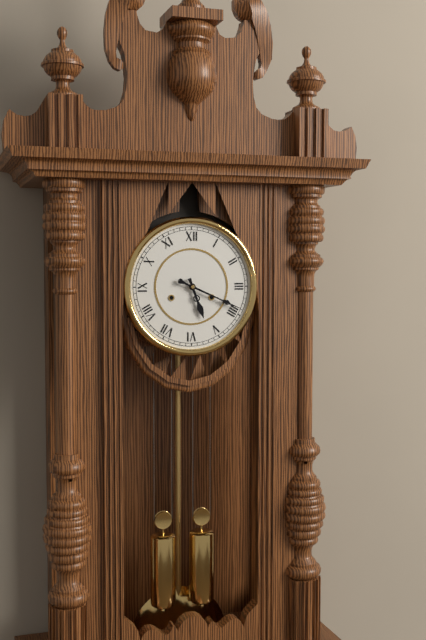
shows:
5,19
